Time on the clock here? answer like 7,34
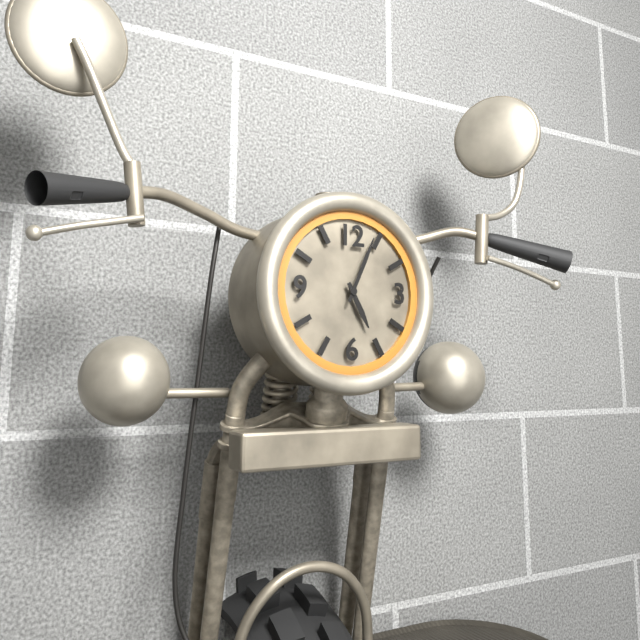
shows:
5,04
